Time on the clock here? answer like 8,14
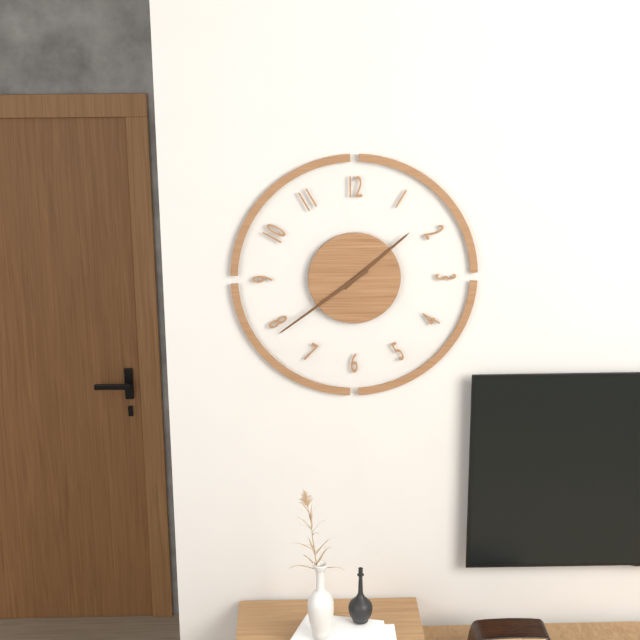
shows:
1,39
